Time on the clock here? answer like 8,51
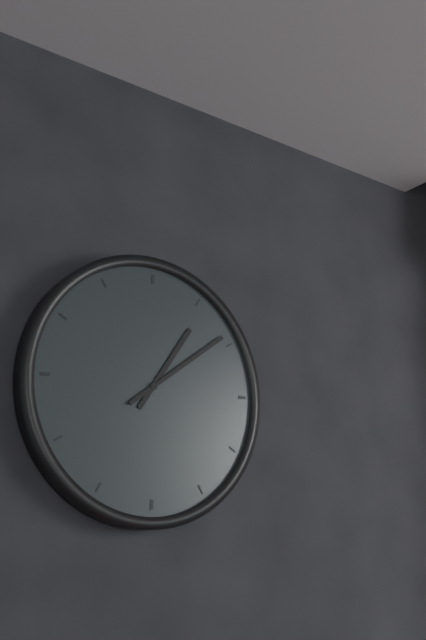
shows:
1,09
